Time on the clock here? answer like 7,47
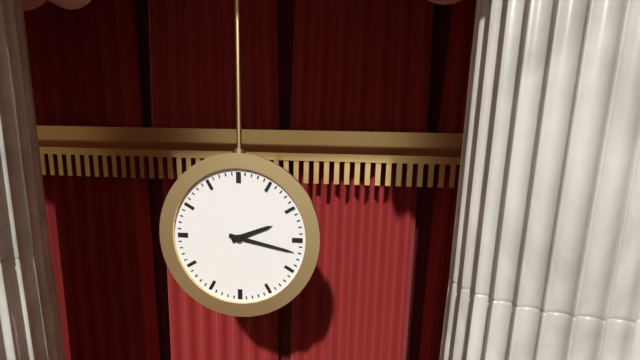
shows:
2,17
